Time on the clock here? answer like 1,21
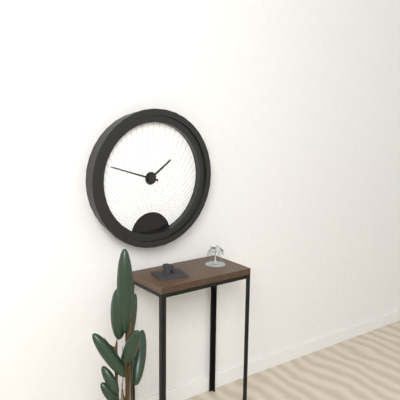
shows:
1,48
